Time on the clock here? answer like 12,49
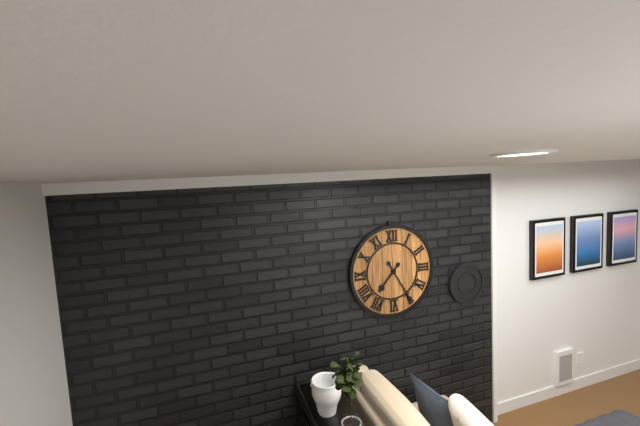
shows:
7,25
